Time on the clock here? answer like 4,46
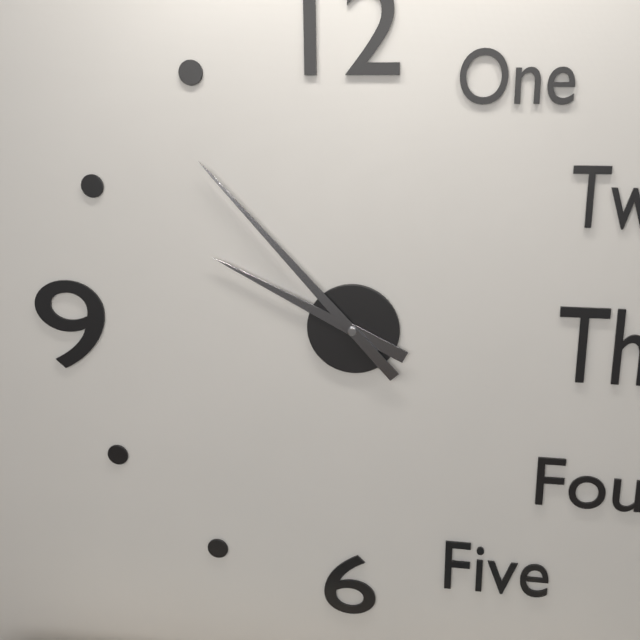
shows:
9,53
